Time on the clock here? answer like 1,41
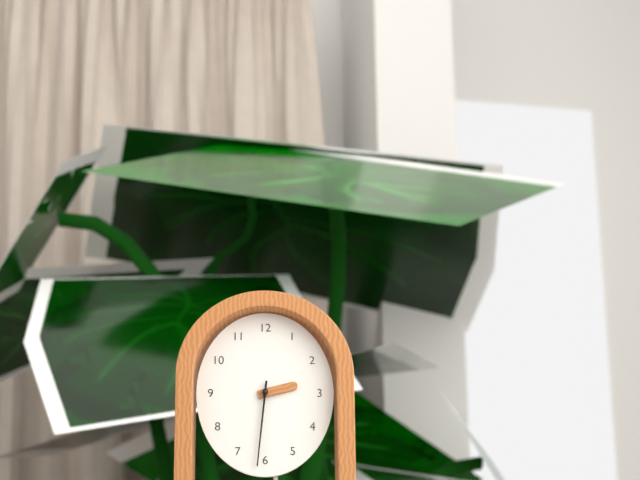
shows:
2,31
